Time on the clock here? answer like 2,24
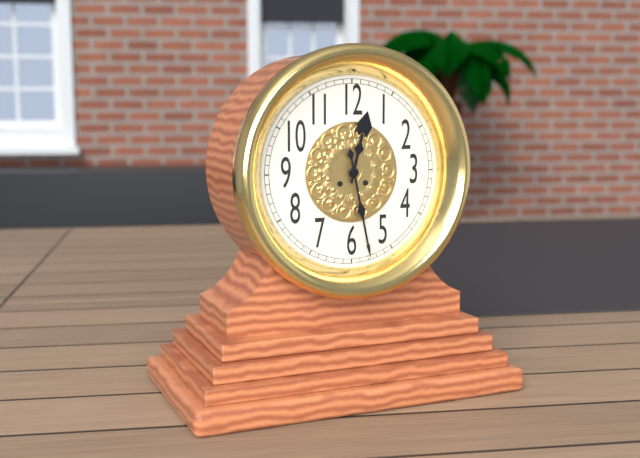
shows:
12,28
